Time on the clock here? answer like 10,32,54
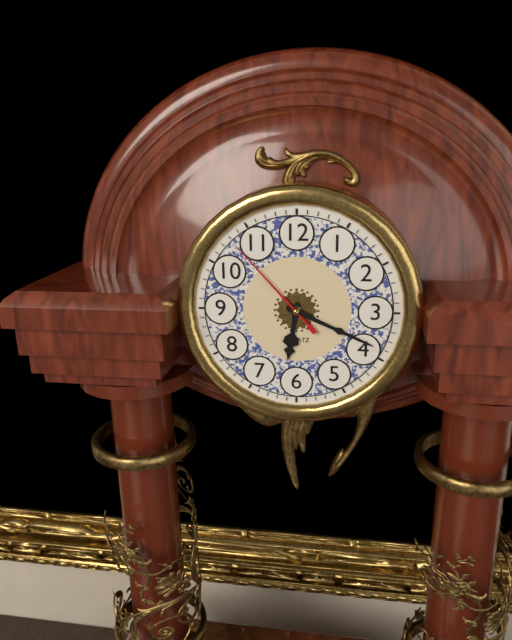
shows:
6,19,53
